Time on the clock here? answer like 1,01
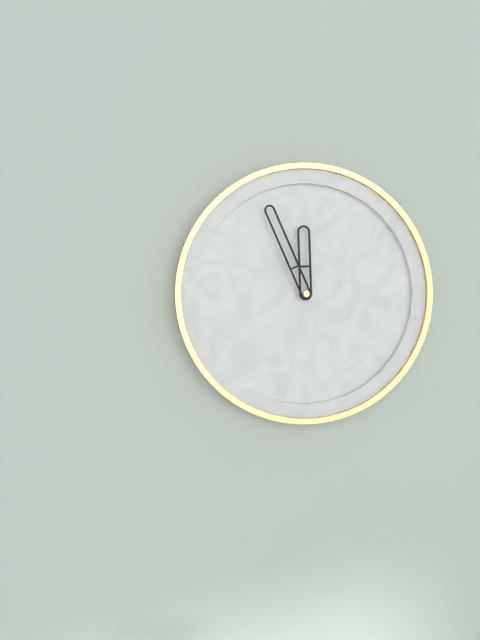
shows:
11,56
